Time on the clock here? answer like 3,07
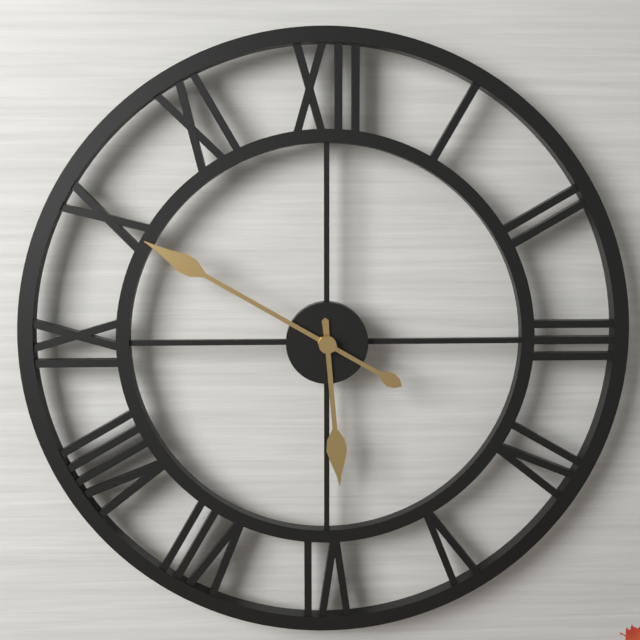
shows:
5,50
